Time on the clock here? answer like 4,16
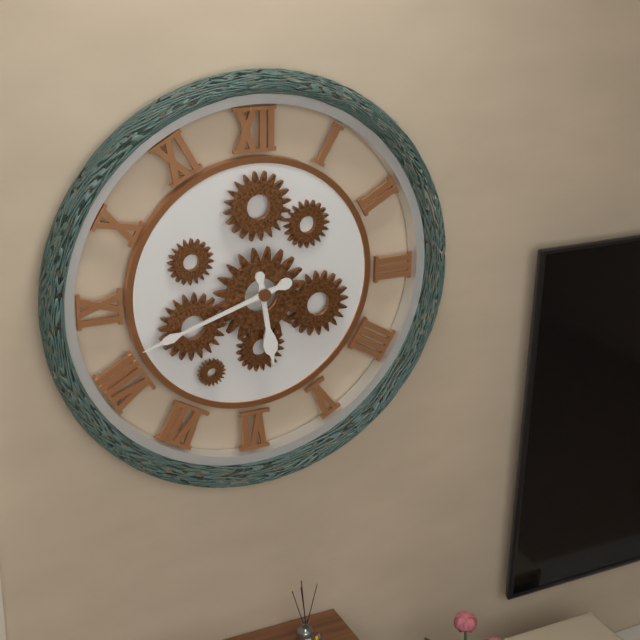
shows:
5,42
